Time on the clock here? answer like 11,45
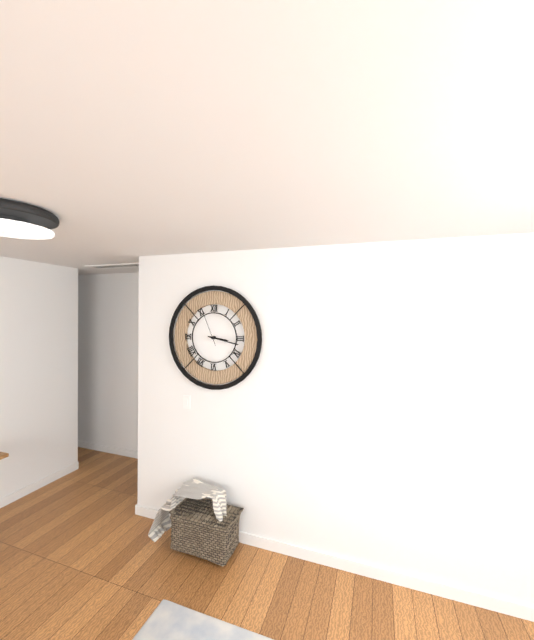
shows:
3,17
